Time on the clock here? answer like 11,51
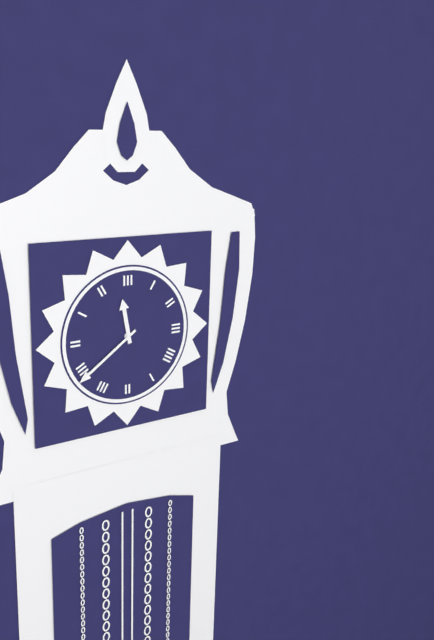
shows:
11,39
